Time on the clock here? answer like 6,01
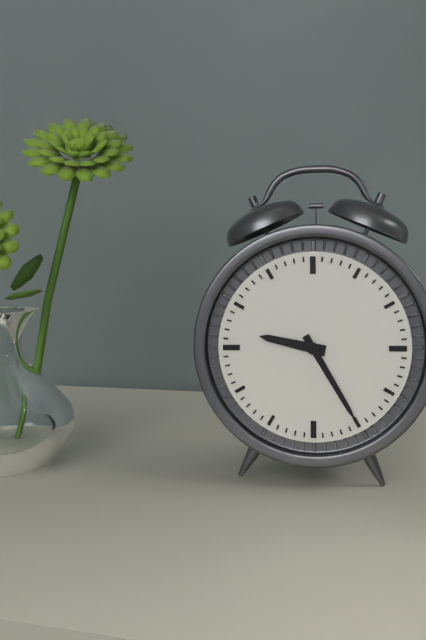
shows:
9,25
